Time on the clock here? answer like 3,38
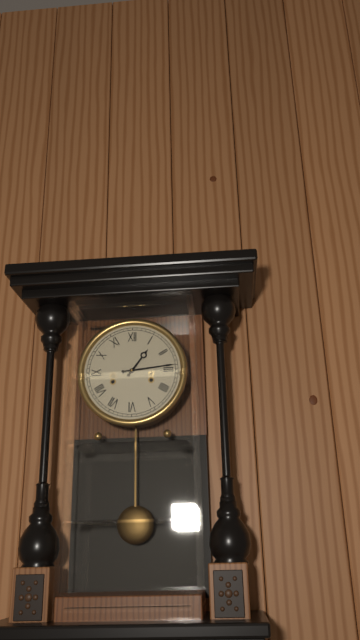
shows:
1,14
